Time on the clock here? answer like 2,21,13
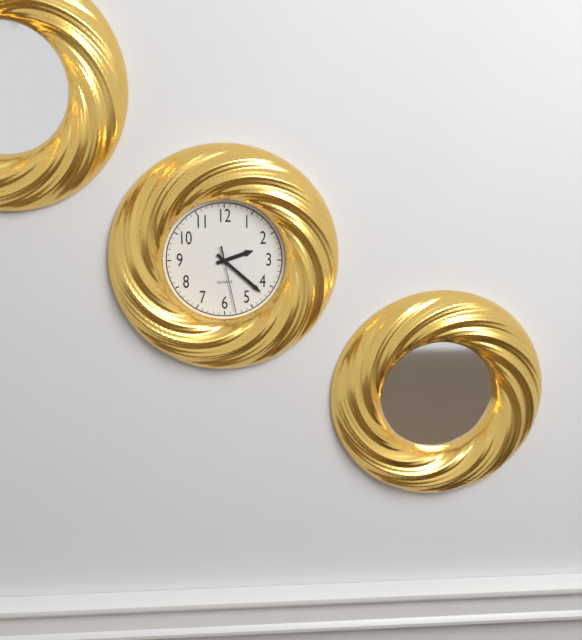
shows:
2,22,28
